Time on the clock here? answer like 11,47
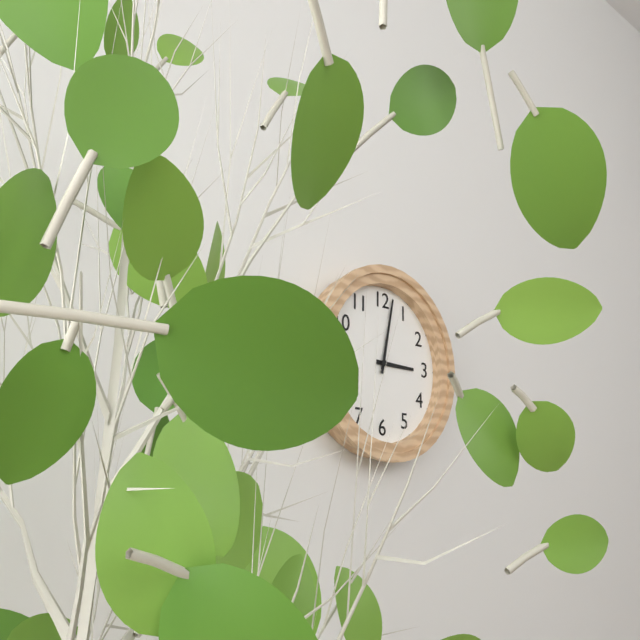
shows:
3,02
